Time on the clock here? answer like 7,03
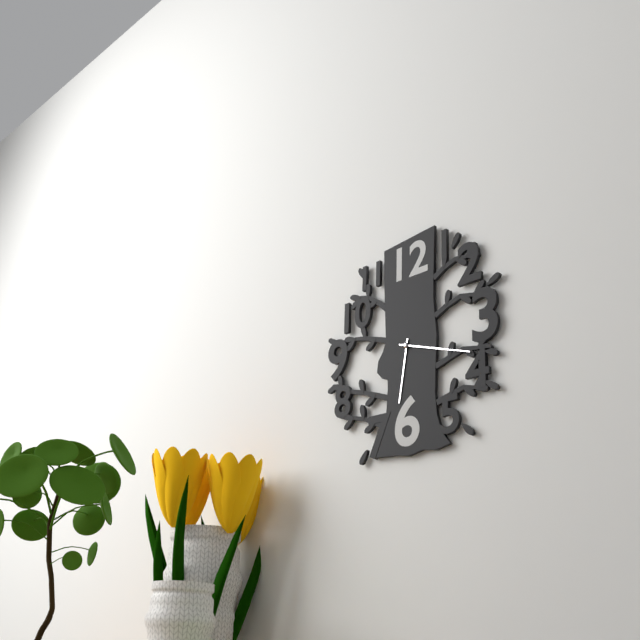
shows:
6,18
